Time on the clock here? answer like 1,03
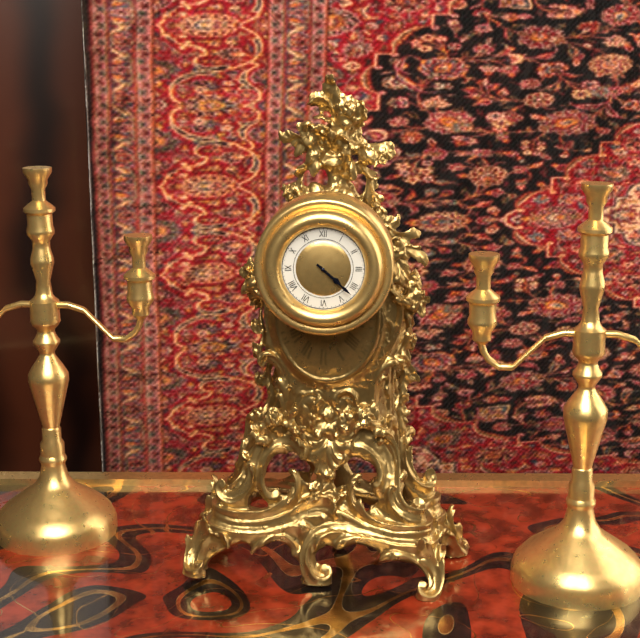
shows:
4,22
